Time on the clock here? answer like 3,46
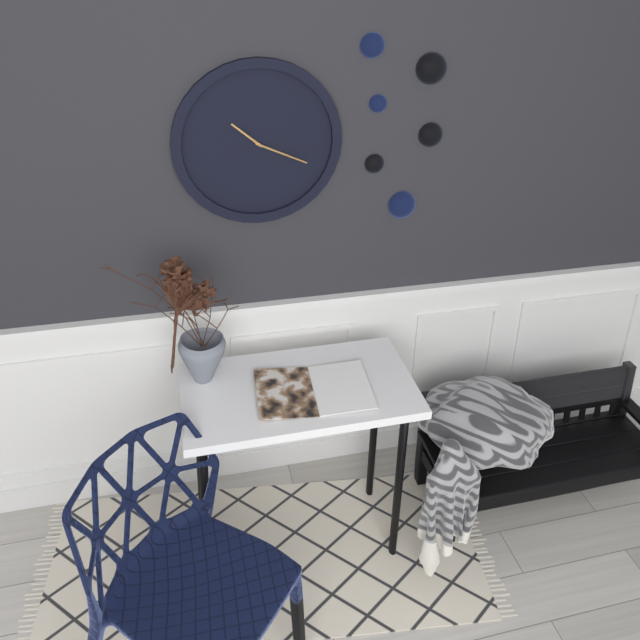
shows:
10,19
